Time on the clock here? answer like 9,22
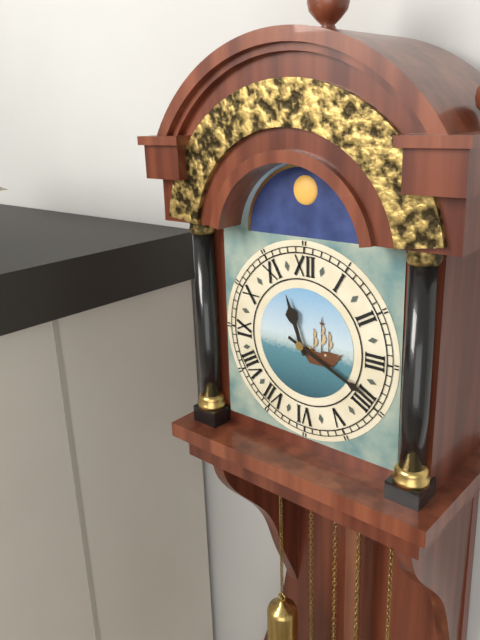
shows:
11,19
